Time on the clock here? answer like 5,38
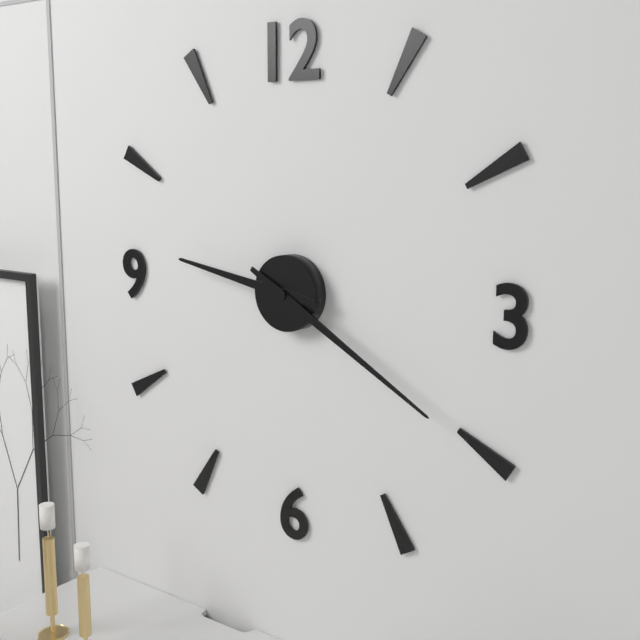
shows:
9,20
